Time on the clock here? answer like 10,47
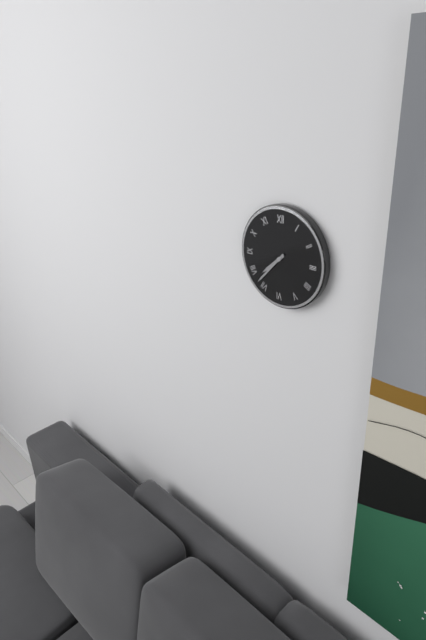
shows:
7,37
